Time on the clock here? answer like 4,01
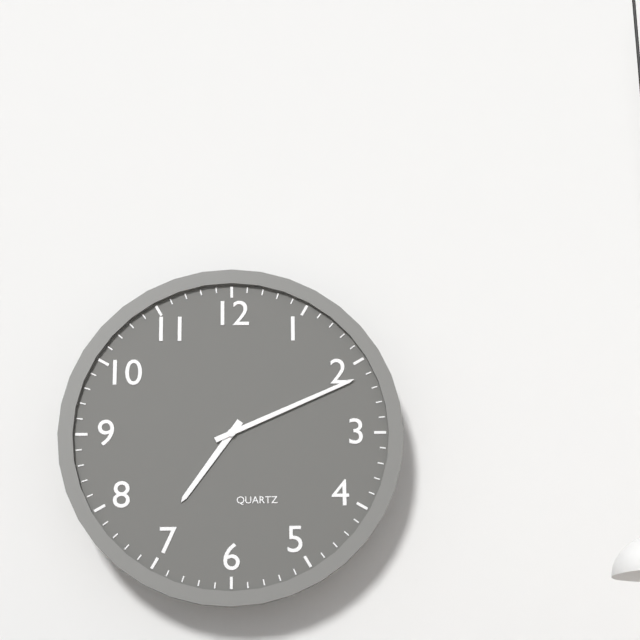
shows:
7,11
